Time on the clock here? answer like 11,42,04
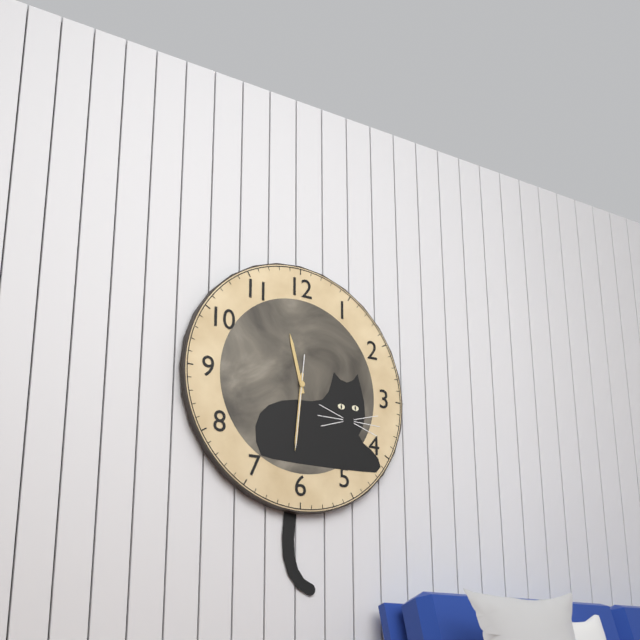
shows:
11,31,31
